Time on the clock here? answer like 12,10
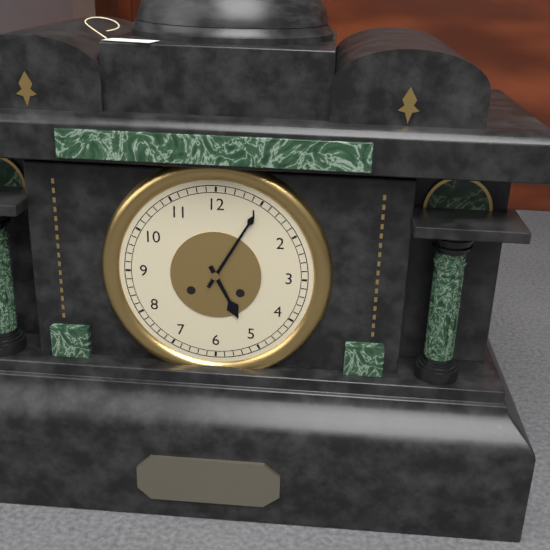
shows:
5,05
